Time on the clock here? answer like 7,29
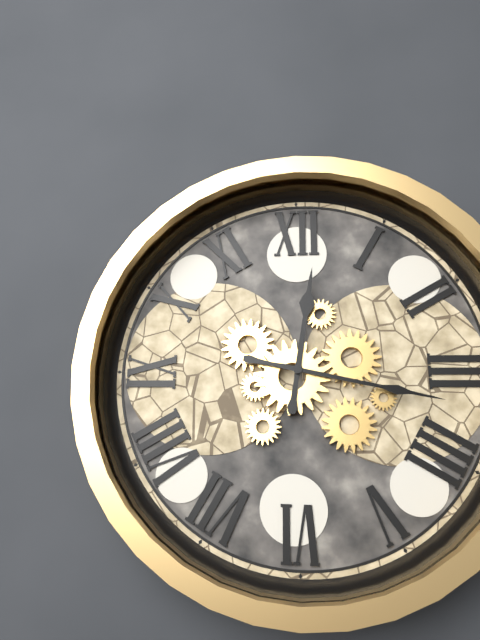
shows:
12,17
